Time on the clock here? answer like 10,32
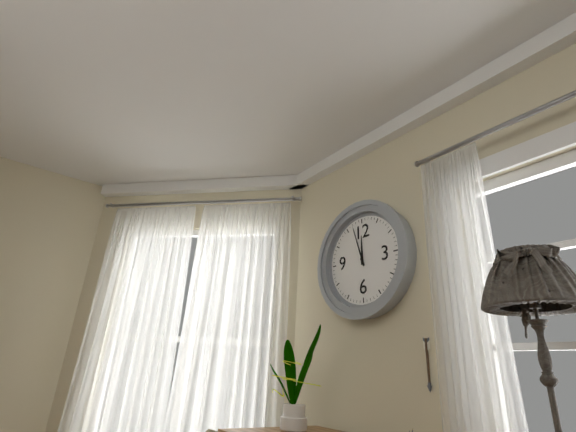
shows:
11,57
